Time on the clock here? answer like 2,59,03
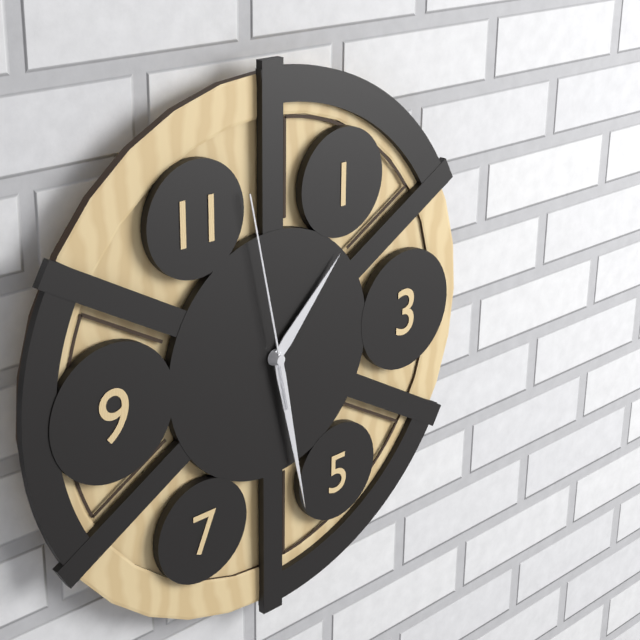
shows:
1,28,58
